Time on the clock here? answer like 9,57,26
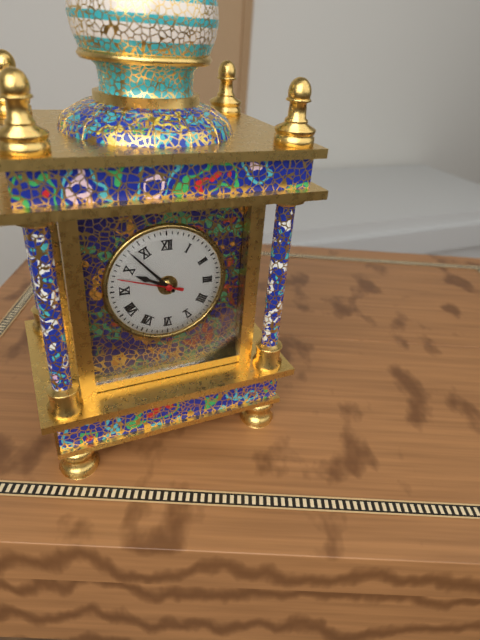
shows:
9,53,48
